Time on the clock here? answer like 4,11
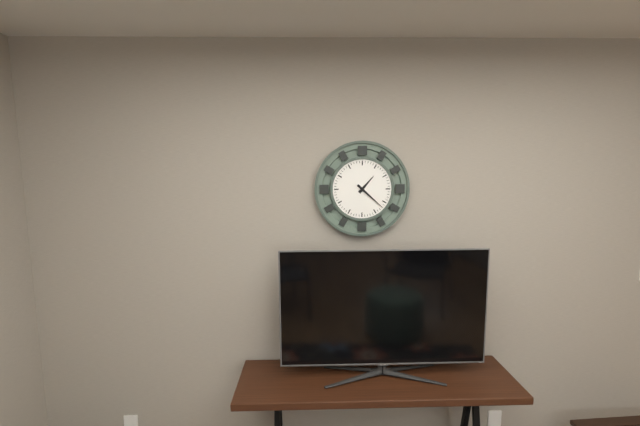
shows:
1,22
